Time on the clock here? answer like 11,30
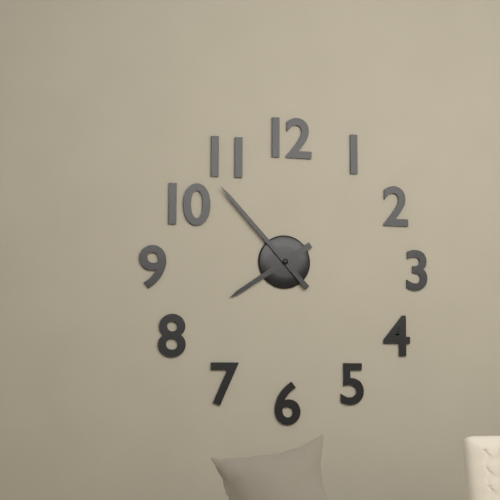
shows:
7,53
